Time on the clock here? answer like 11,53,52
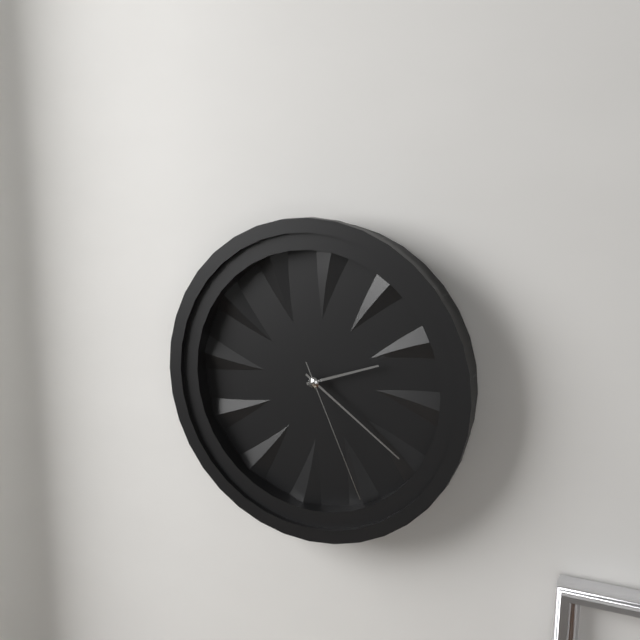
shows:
2,21,26
